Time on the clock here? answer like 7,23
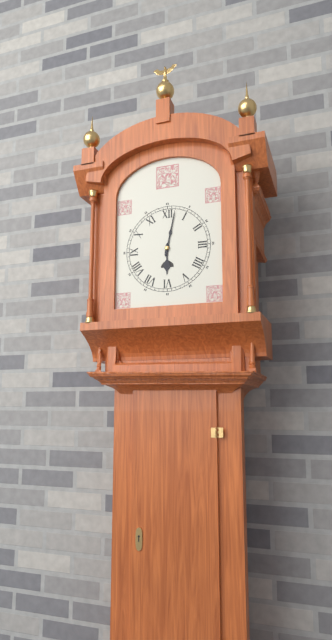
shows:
6,02
